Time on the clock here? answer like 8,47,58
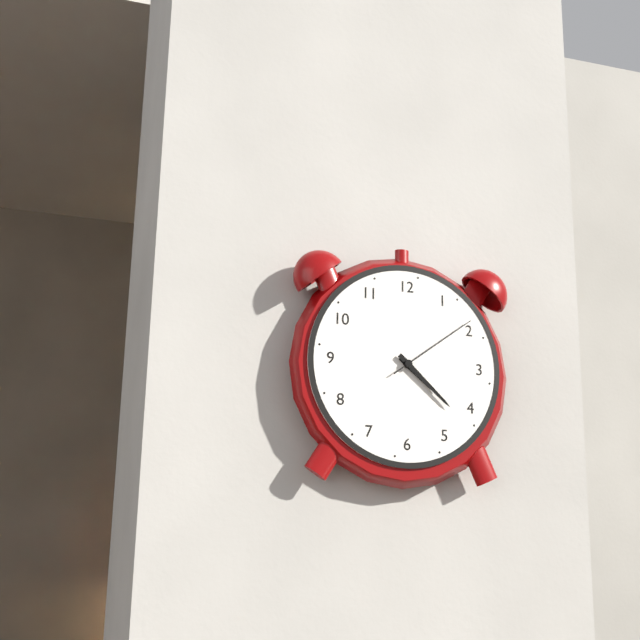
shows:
4,22,09
